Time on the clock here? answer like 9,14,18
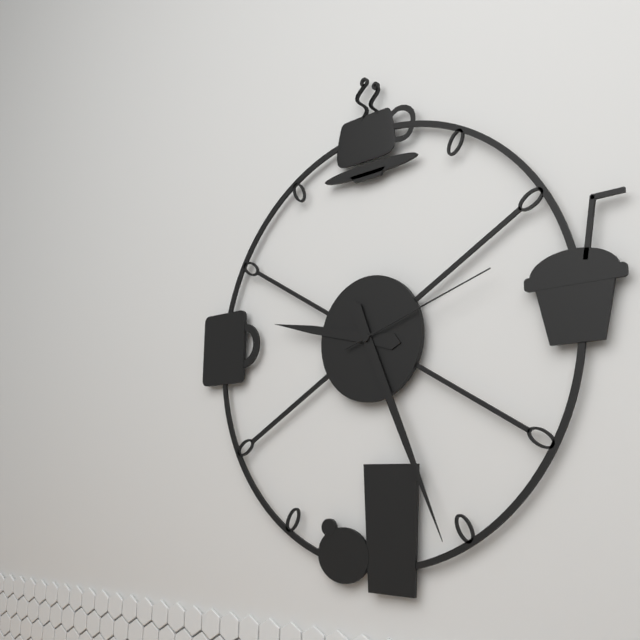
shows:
9,26,12
